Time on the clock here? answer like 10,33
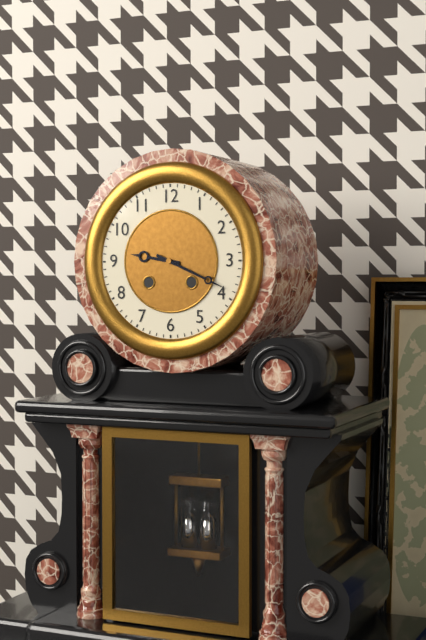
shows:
9,19
